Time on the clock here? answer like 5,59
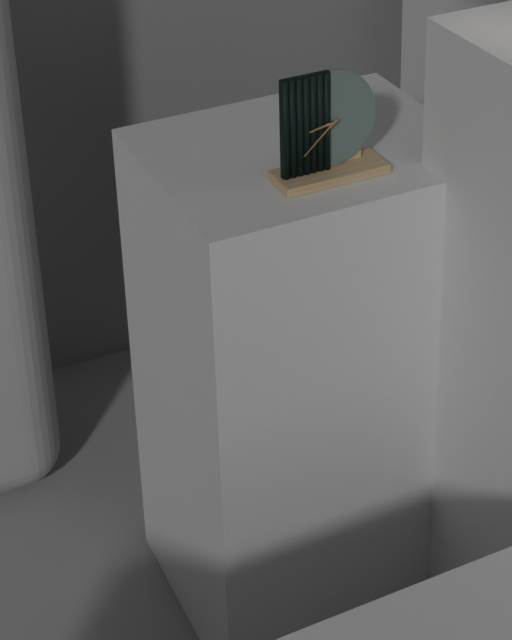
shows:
8,38
